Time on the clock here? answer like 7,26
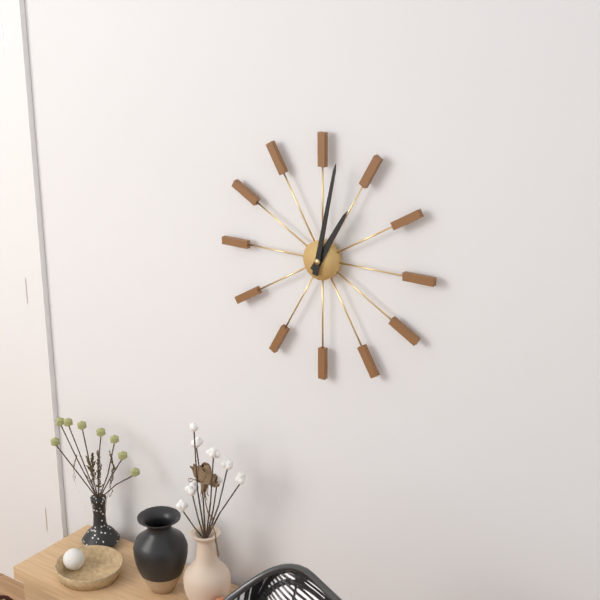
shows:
1,02
